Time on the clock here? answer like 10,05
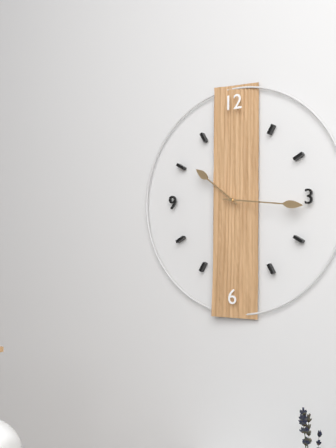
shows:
10,16
